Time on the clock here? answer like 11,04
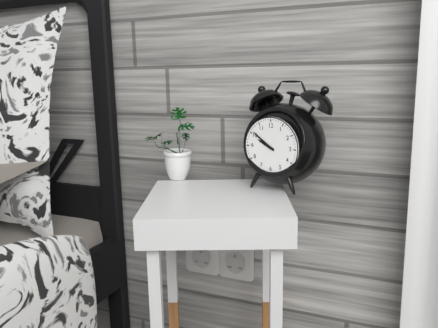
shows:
9,51
